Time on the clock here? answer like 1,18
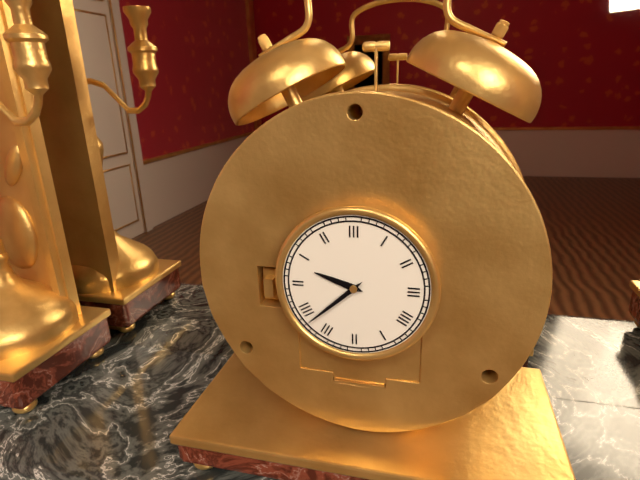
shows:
9,38
